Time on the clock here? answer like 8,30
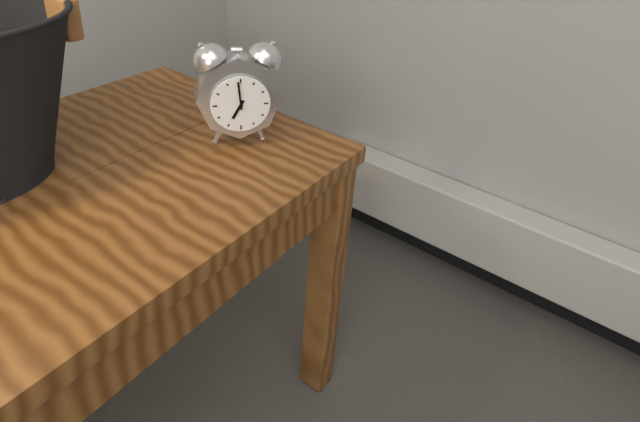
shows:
6,59
